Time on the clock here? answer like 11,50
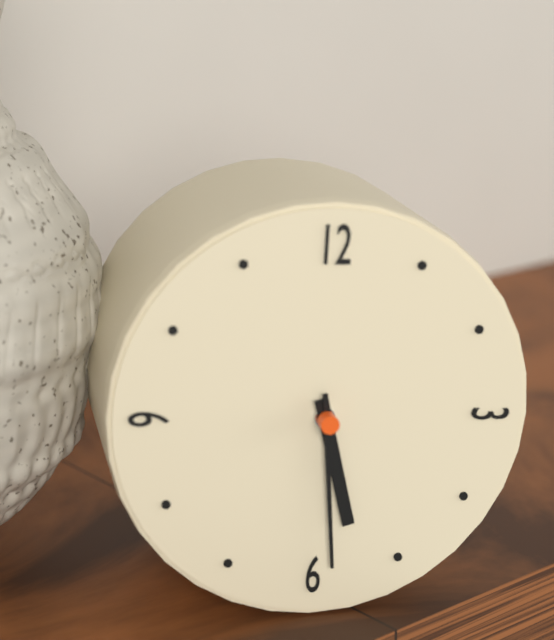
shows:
5,29
